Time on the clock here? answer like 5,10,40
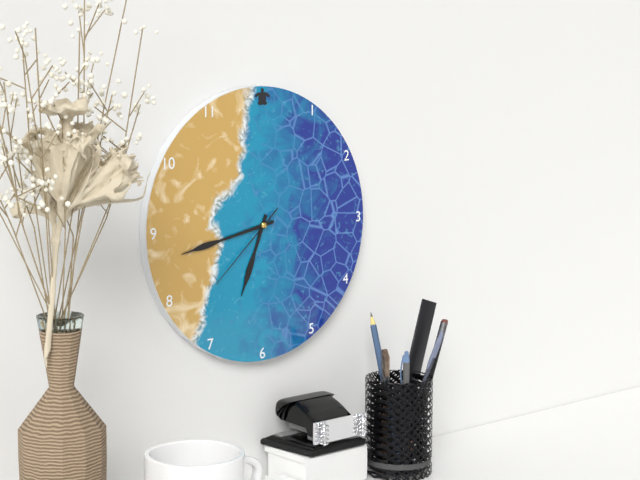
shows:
6,43,38
